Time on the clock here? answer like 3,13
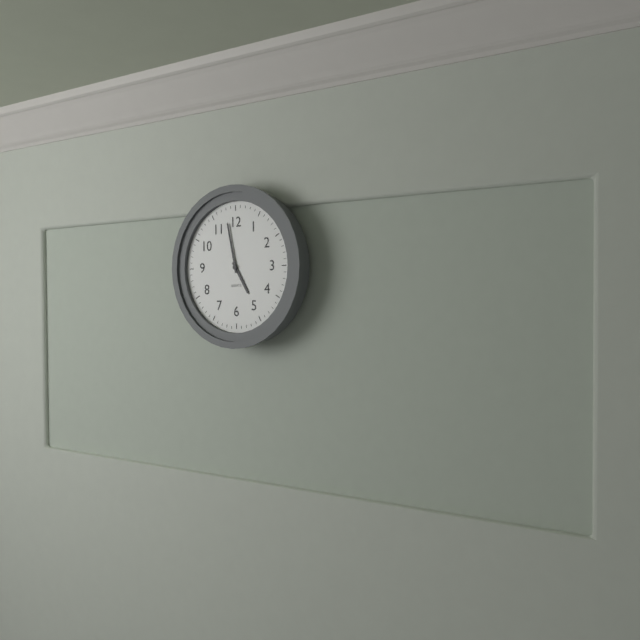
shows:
4,58
